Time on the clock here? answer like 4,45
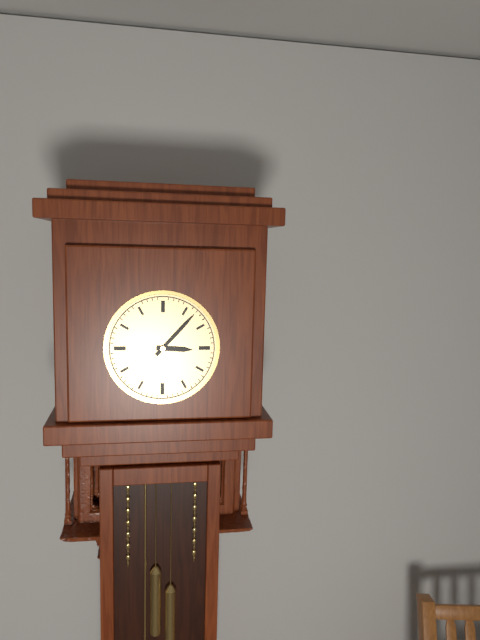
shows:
3,07
